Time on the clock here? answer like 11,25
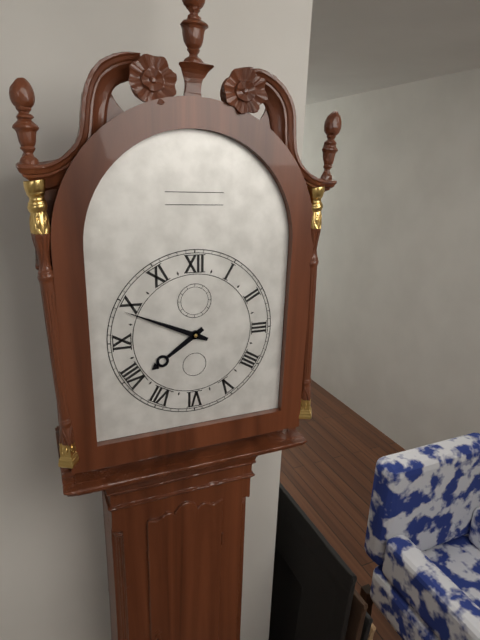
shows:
7,49
